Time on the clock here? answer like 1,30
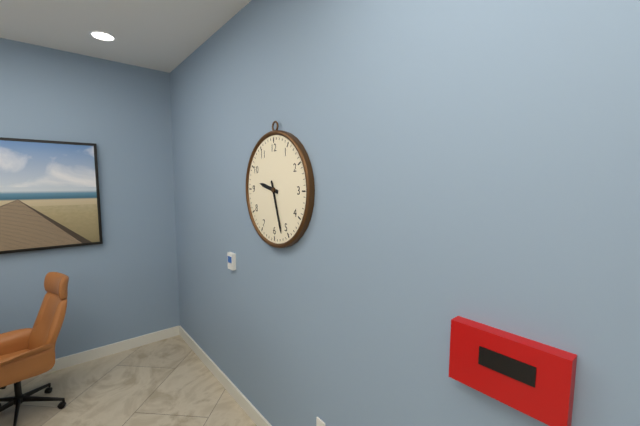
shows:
9,27
